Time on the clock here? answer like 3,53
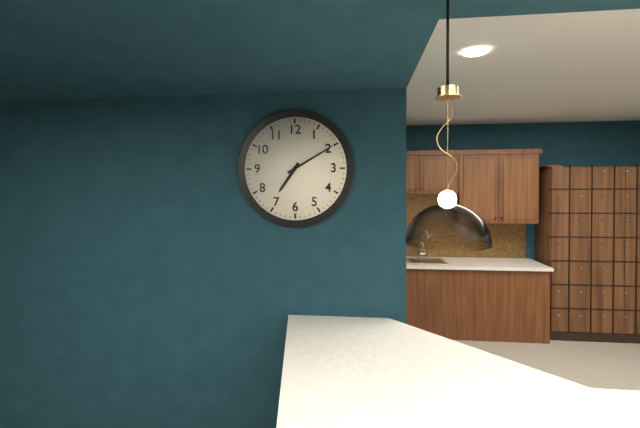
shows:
7,10
